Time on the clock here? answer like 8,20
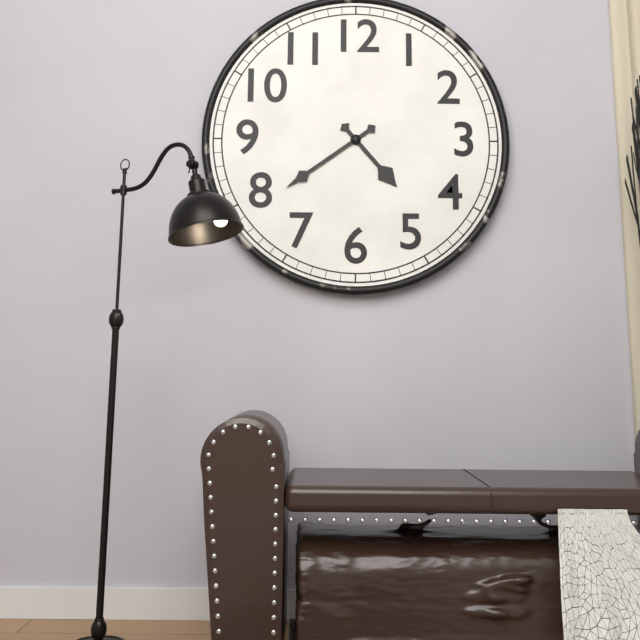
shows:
4,39
